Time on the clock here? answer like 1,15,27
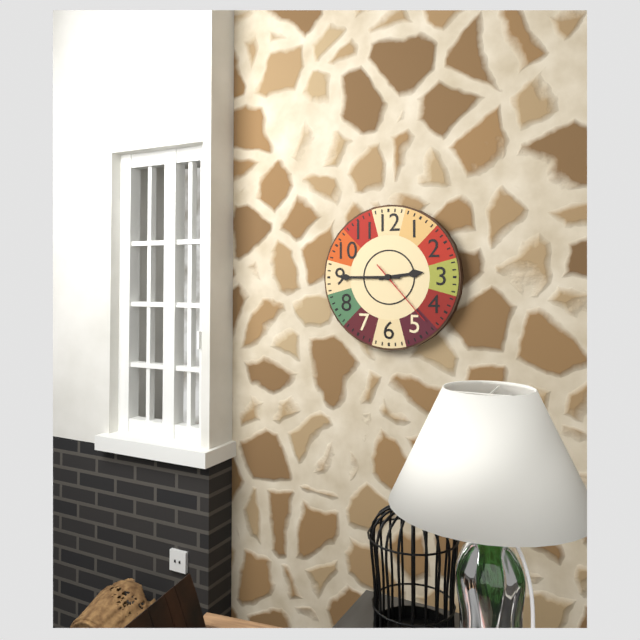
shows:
2,45,23
